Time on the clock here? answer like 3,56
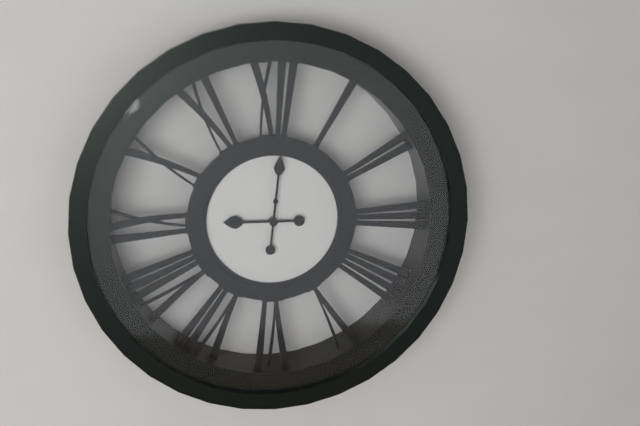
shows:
9,01
